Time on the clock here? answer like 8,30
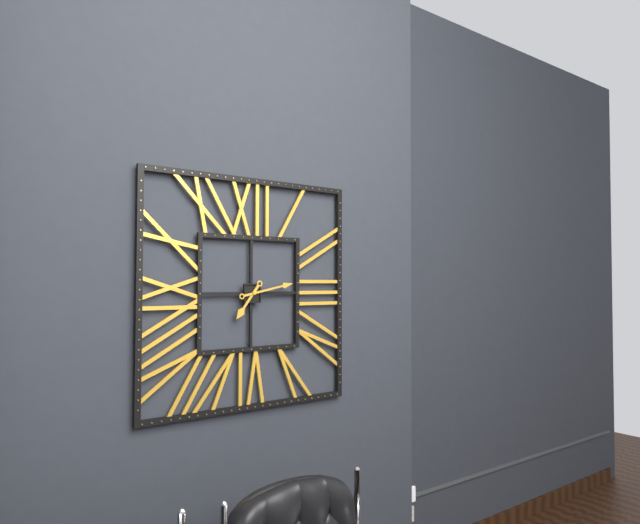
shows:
7,13
